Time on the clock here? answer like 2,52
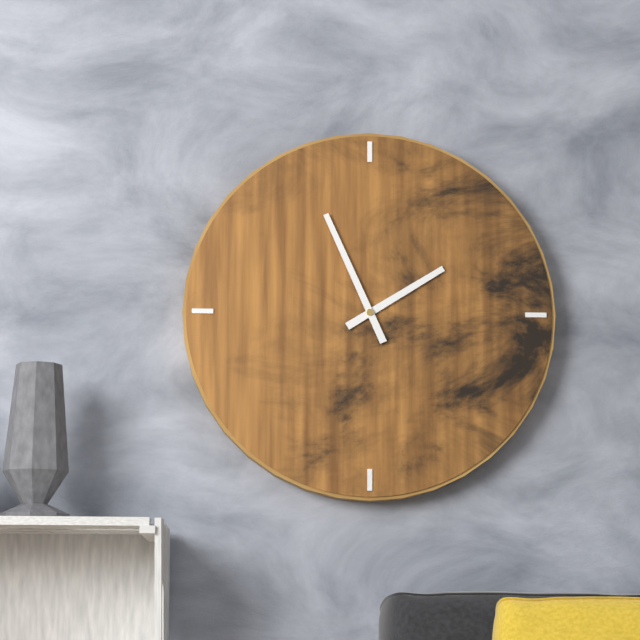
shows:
1,56
